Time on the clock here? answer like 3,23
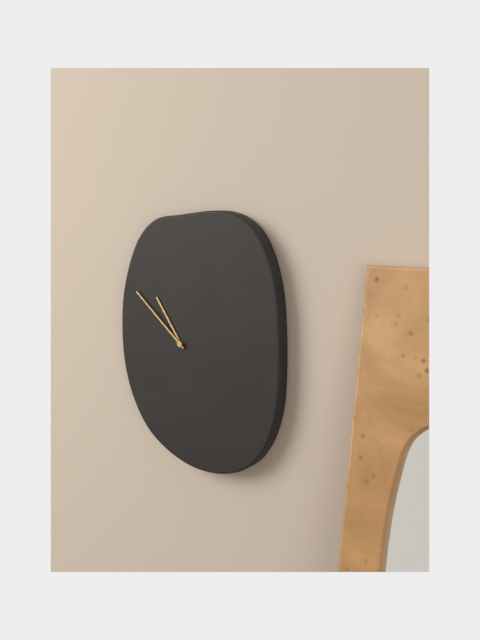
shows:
10,52
